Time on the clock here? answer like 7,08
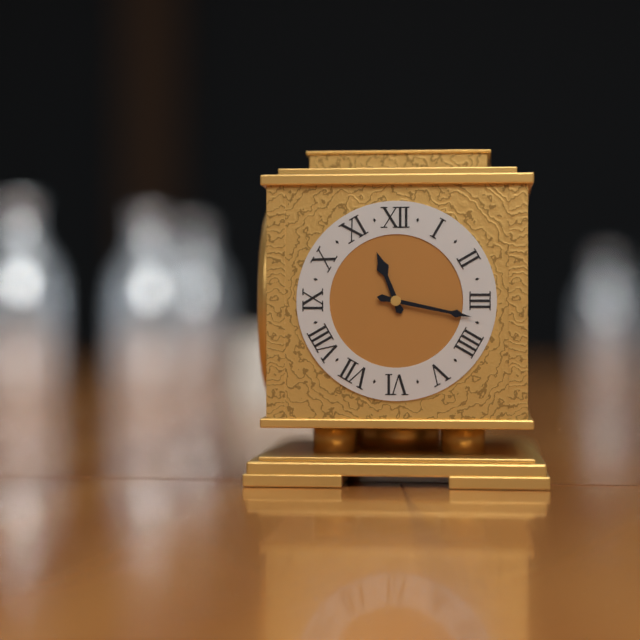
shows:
11,17
